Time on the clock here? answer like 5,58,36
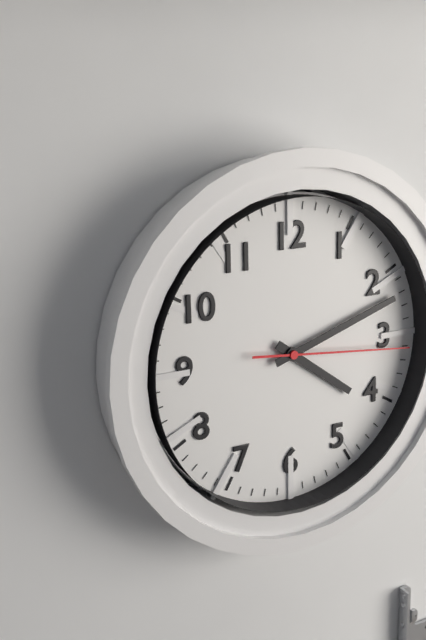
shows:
4,12,16
